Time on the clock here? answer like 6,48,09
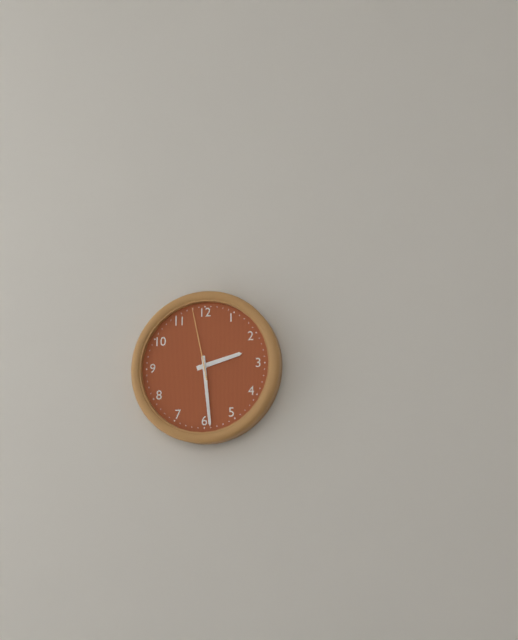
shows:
2,29,58
